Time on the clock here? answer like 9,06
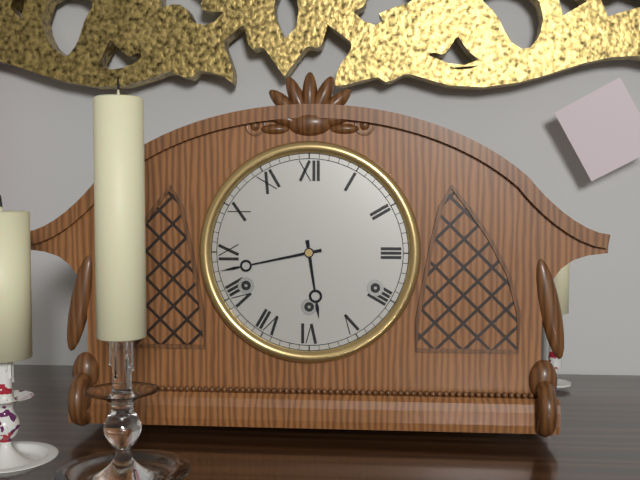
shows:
5,43
